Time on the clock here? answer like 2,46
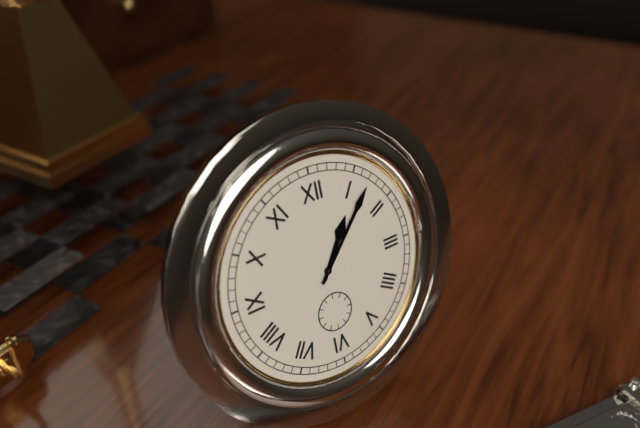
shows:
1,07
